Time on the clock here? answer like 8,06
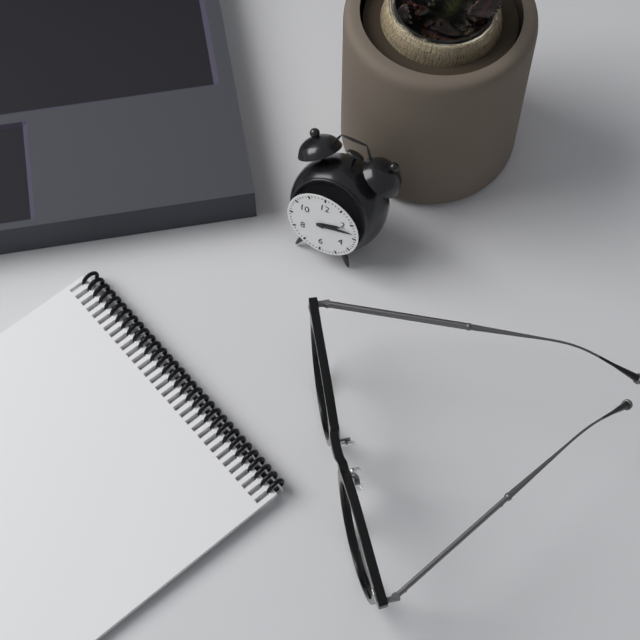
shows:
2,13
